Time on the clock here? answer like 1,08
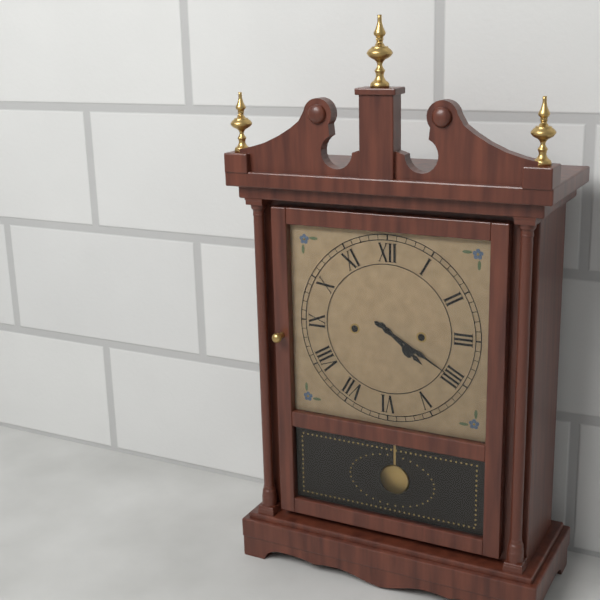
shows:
4,20
